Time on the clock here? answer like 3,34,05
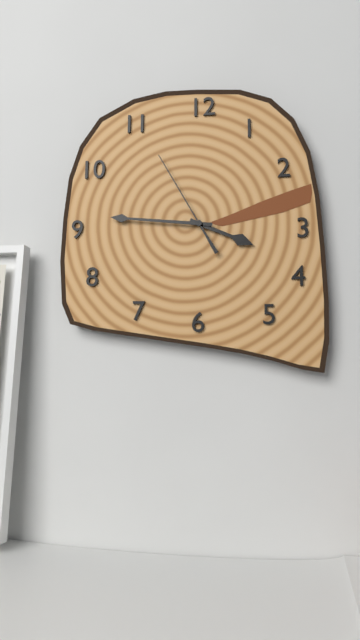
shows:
3,46,55
